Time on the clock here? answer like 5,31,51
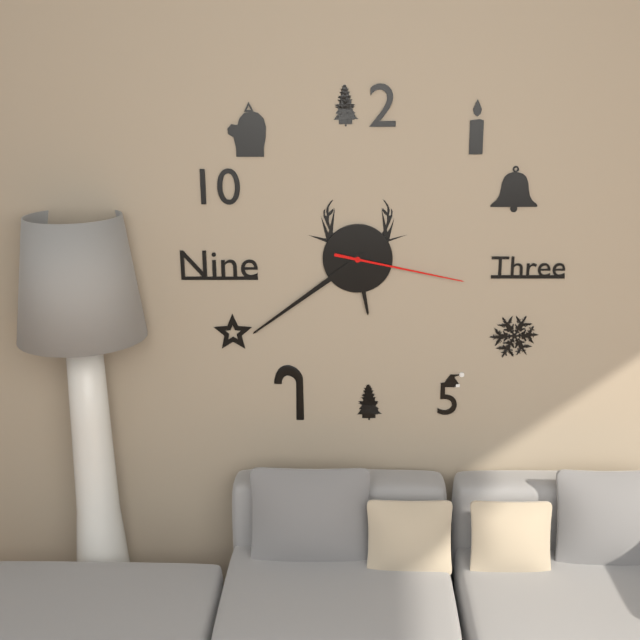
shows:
5,39,17
